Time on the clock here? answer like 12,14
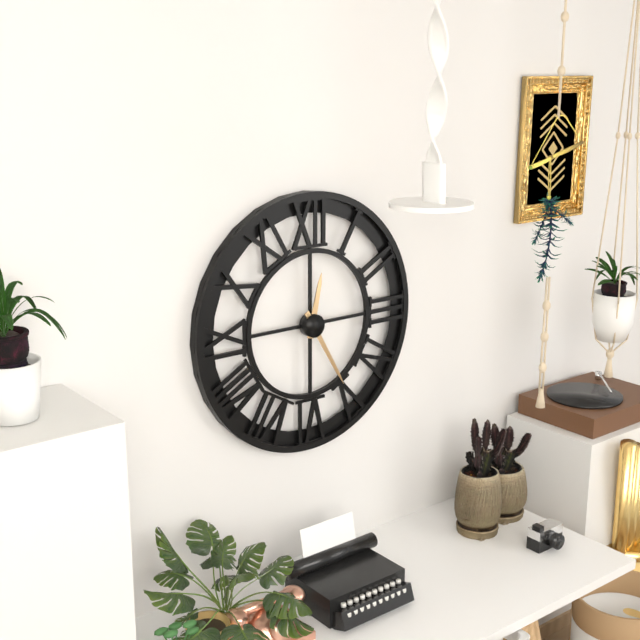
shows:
12,25
